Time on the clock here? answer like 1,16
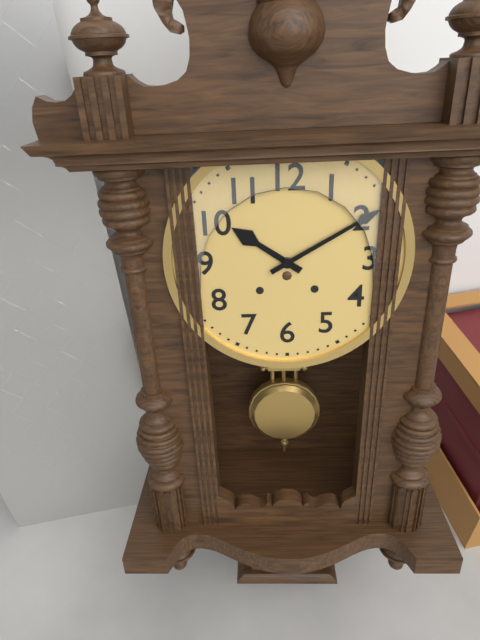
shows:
10,10
